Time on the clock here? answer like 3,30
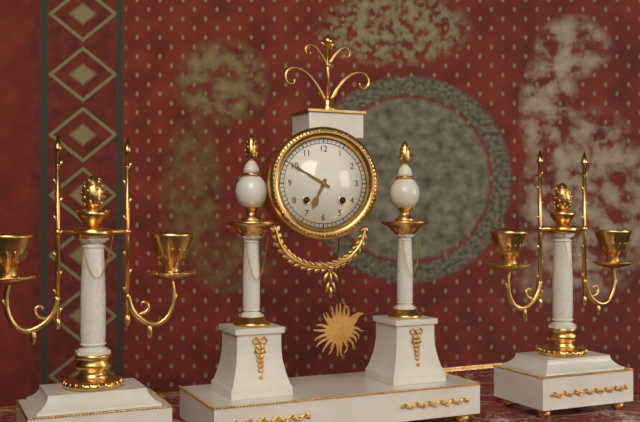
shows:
6,50
